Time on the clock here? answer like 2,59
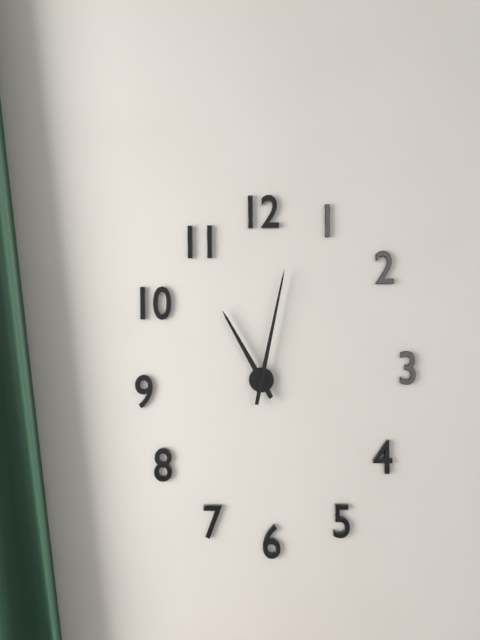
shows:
11,02
